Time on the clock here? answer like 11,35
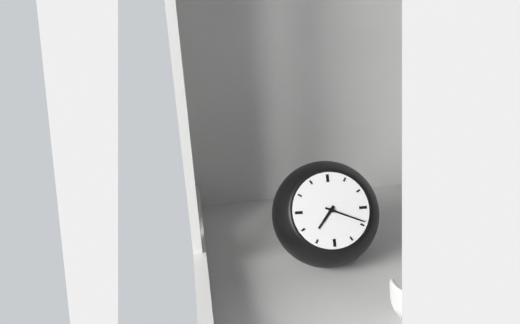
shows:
7,19
